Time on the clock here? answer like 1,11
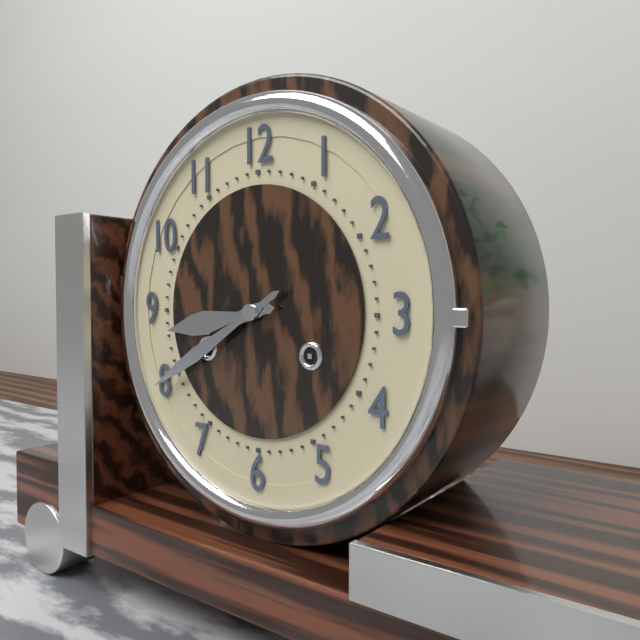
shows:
8,40
